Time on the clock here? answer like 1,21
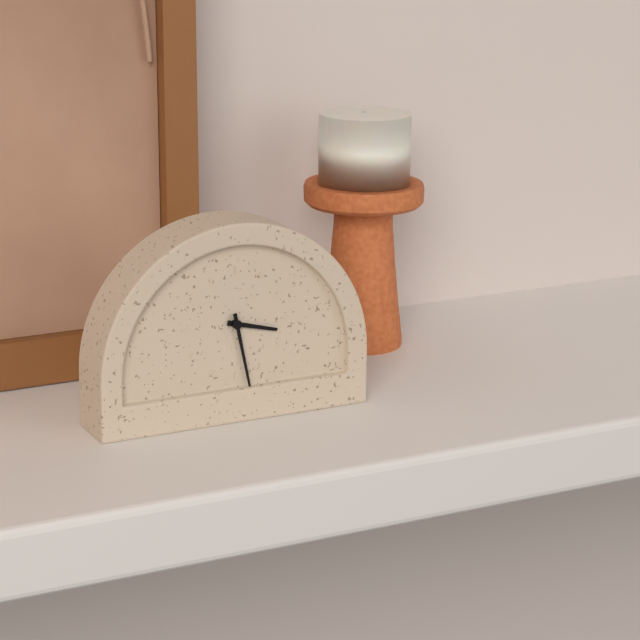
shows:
3,28
